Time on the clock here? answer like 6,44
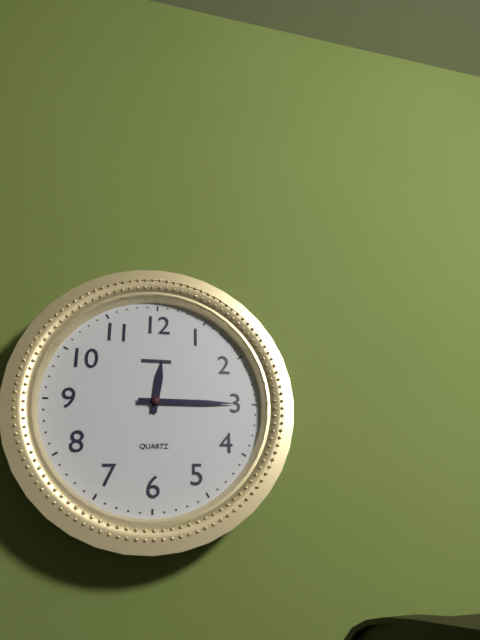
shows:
12,15
